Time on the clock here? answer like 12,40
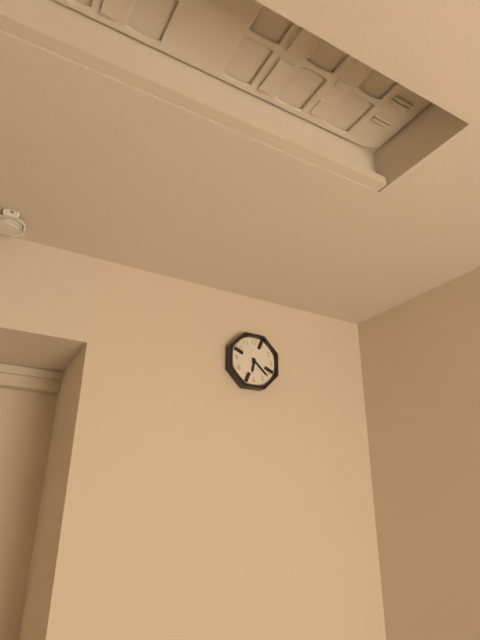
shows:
6,22
